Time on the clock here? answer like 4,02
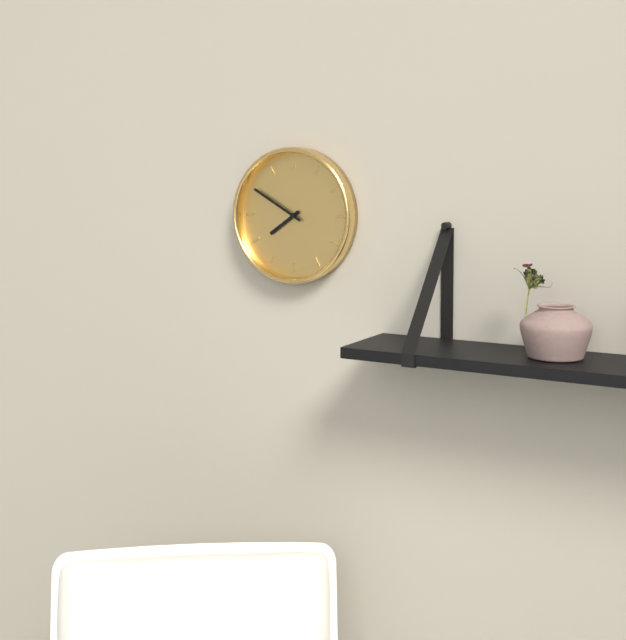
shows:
7,50
